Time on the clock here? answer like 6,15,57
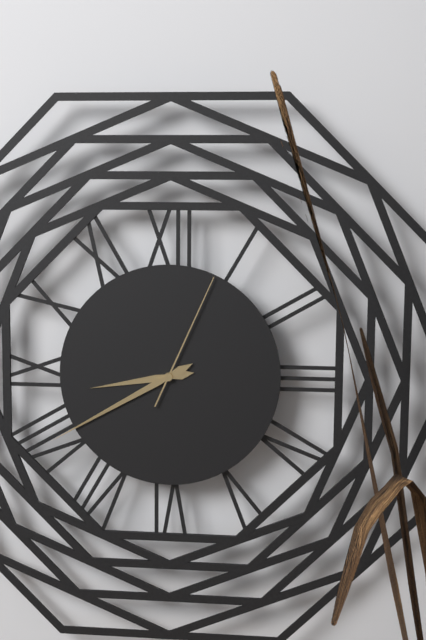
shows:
8,40,04
